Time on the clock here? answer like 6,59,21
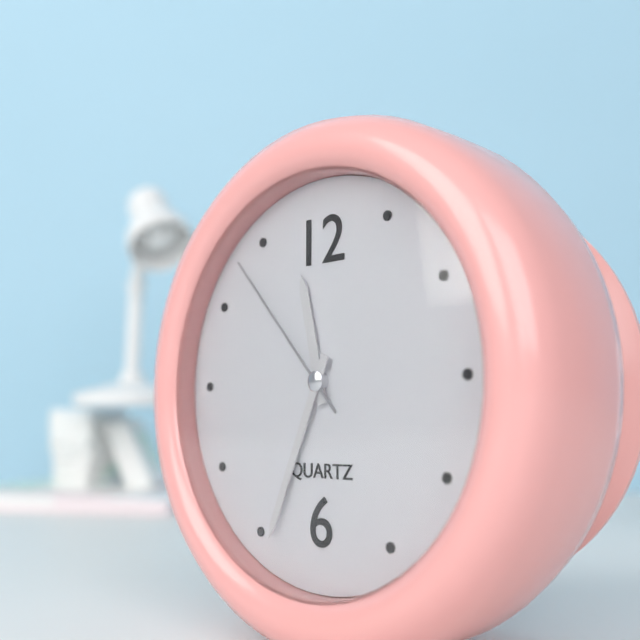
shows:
11,34,53
